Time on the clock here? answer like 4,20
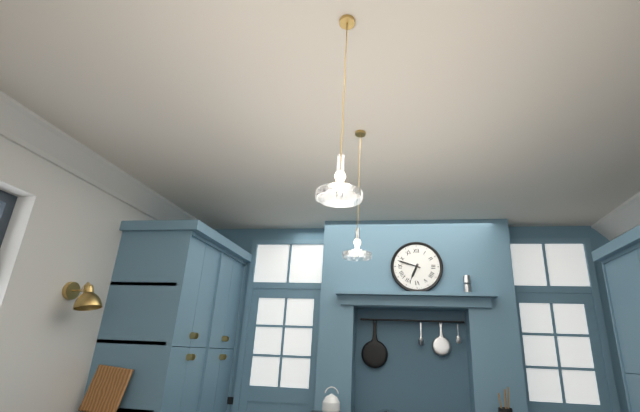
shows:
6,48
